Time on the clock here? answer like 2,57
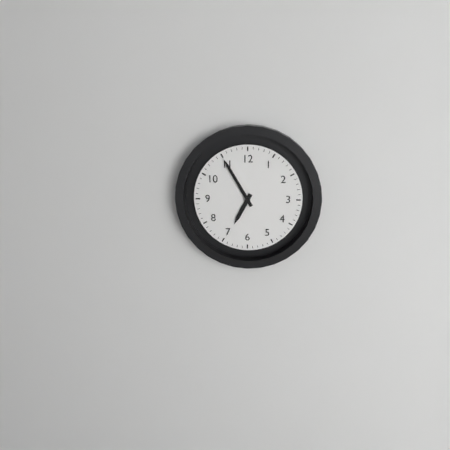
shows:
6,55
